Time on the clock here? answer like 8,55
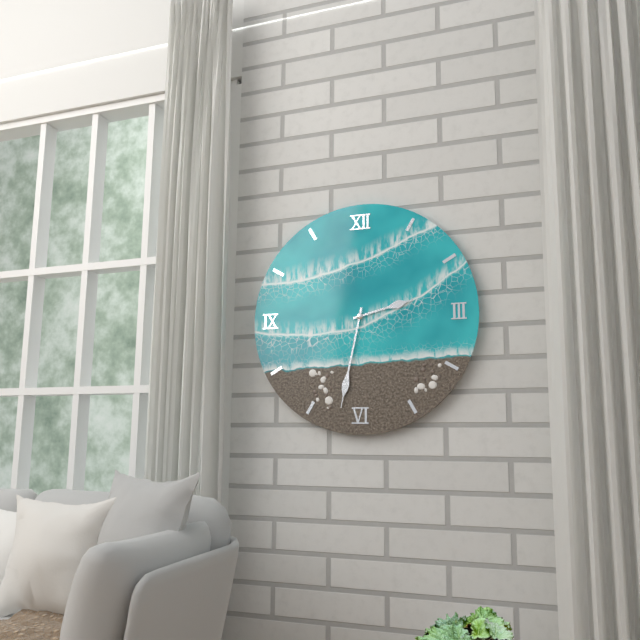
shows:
2,32
